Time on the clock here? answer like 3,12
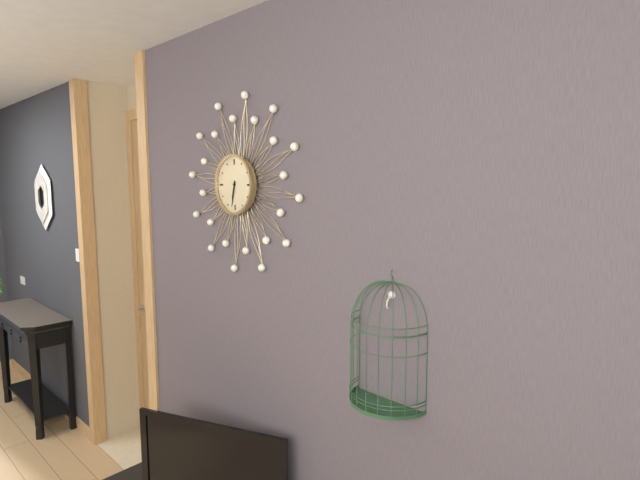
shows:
6,32
